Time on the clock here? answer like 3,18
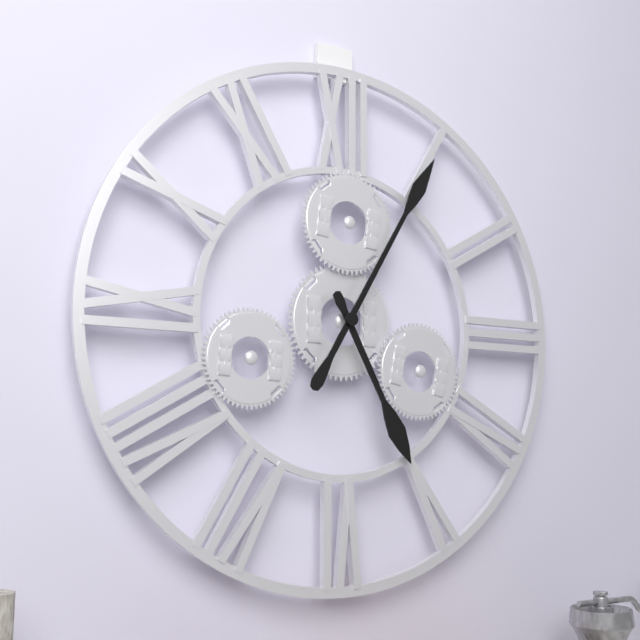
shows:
5,05
